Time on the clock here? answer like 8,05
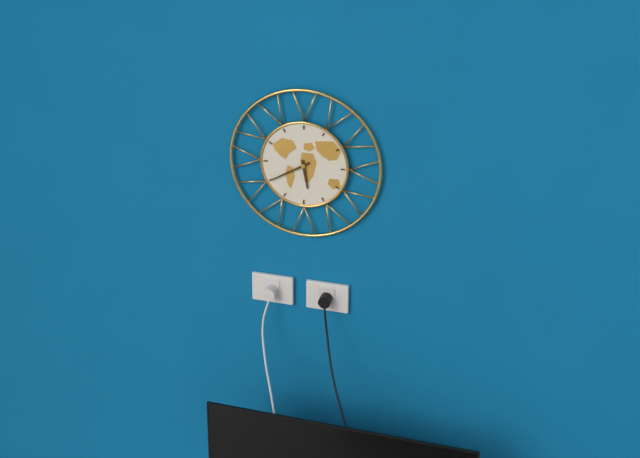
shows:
5,40
